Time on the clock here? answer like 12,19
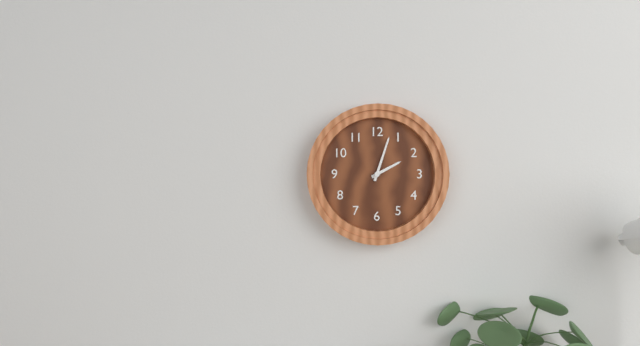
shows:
2,03
